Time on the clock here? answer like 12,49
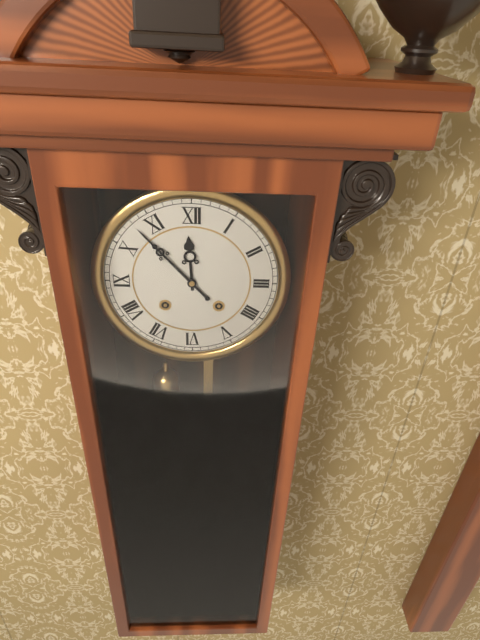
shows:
11,53
